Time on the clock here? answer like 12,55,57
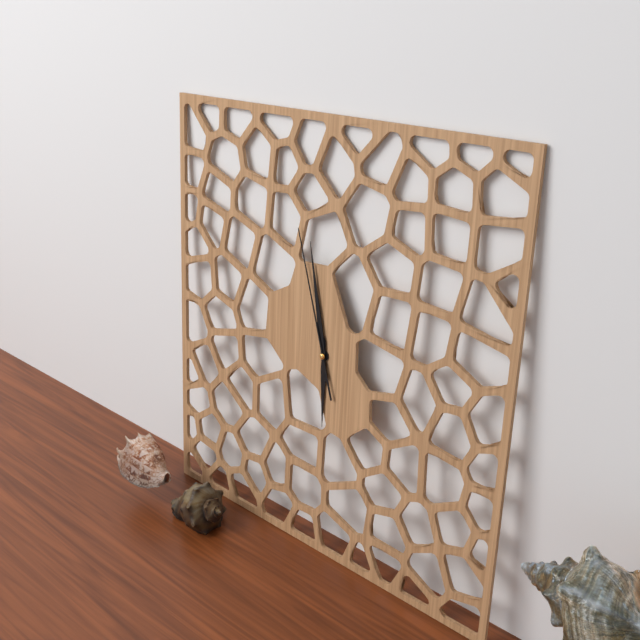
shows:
5,58,57
